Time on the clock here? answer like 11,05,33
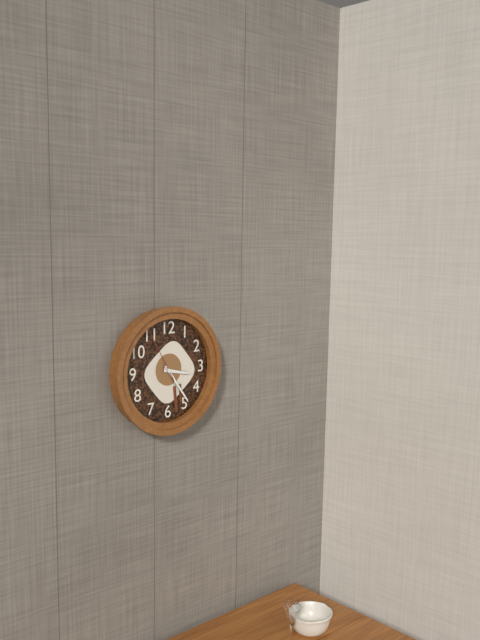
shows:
3,24,55
